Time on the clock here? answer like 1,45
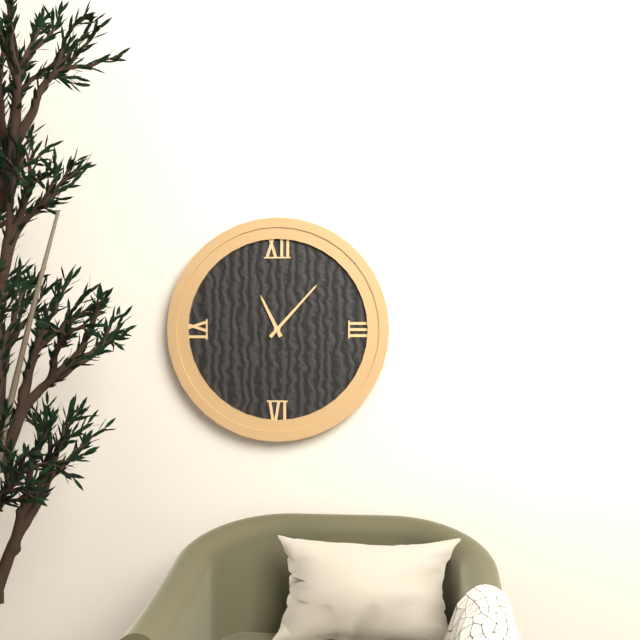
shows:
11,07
